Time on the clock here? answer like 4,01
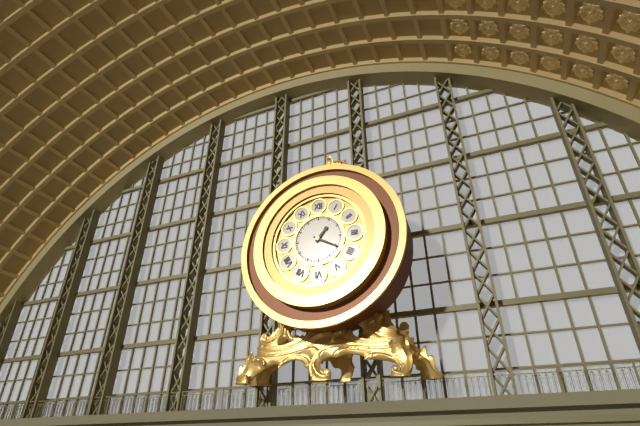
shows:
1,20
